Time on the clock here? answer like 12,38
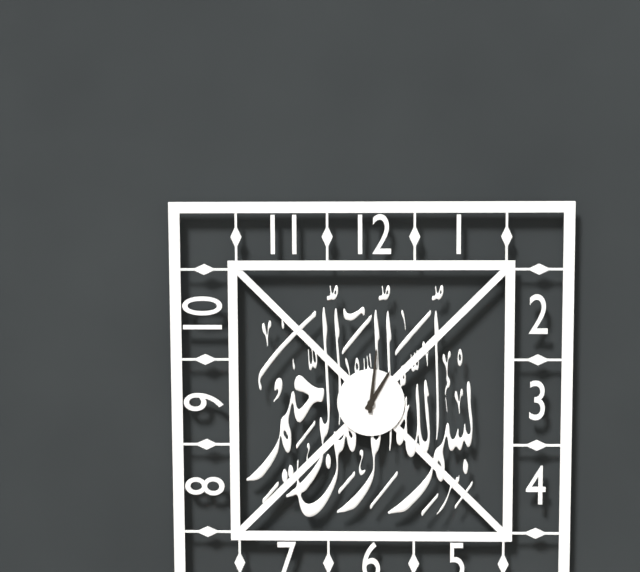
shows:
1,01
